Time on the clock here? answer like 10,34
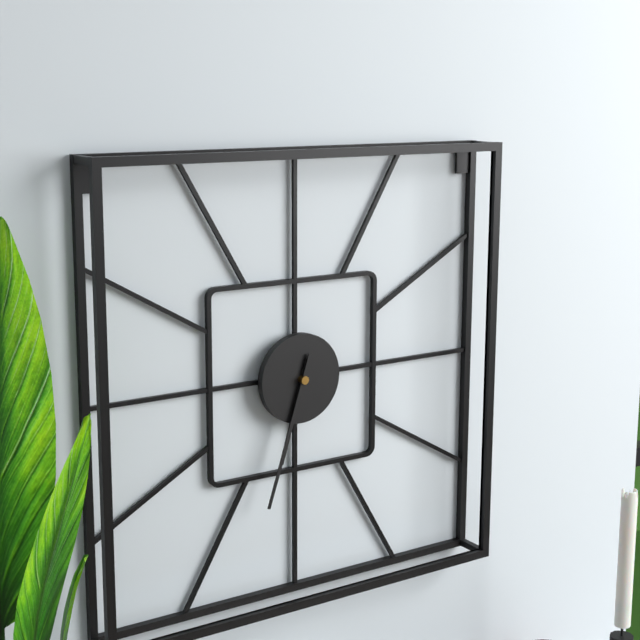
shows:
6,33
